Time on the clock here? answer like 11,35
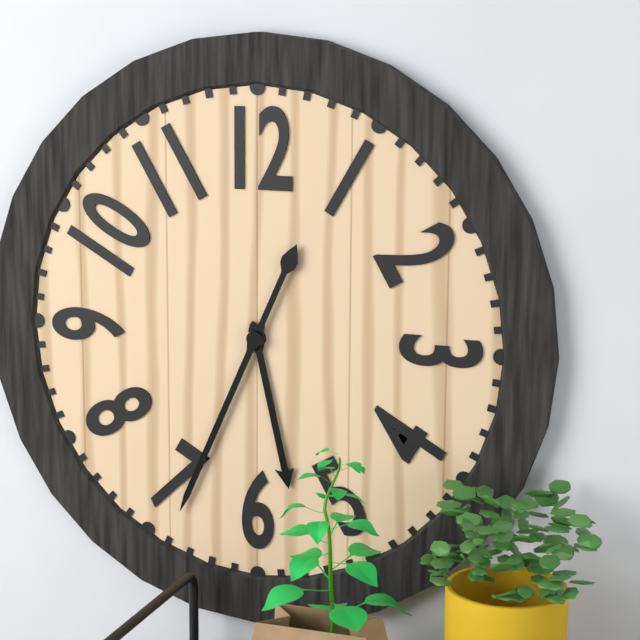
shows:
5,34
